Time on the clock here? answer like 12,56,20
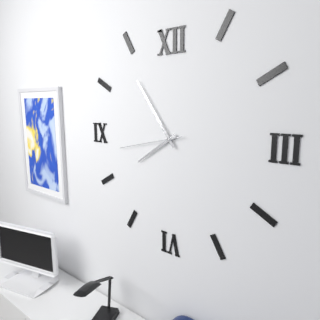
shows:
7,54,43
